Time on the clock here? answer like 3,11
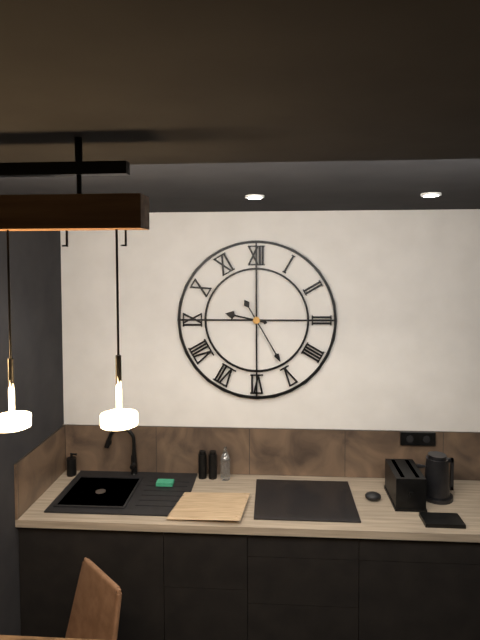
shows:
9,25
